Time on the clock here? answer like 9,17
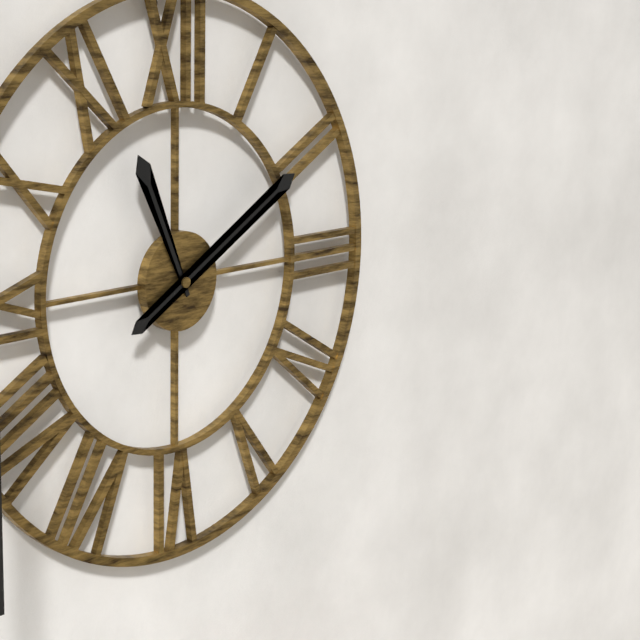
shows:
11,10
